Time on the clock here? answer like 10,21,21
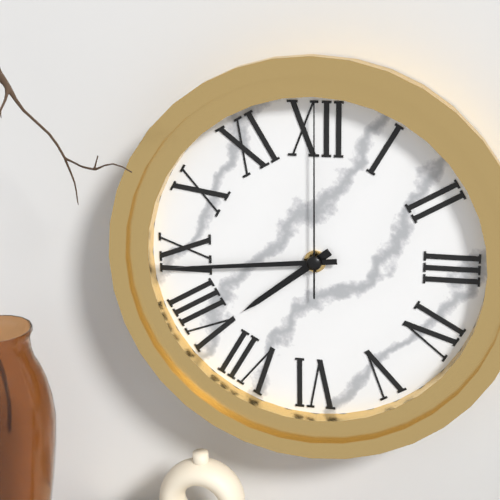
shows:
7,44,00
